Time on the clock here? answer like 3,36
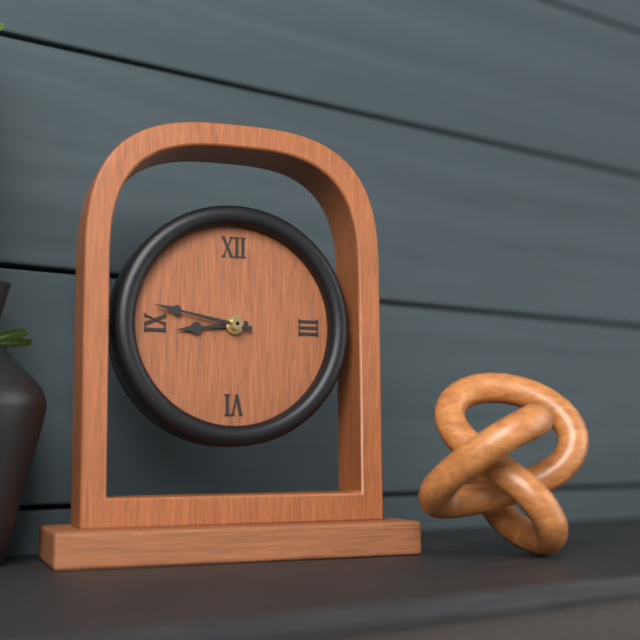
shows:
8,47
